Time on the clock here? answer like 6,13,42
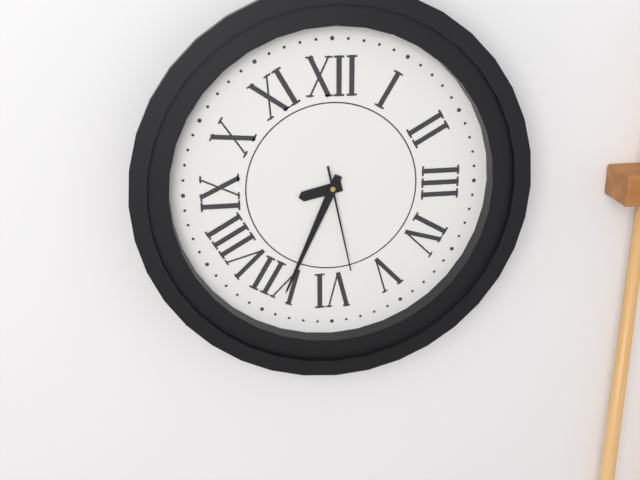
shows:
8,34,28
